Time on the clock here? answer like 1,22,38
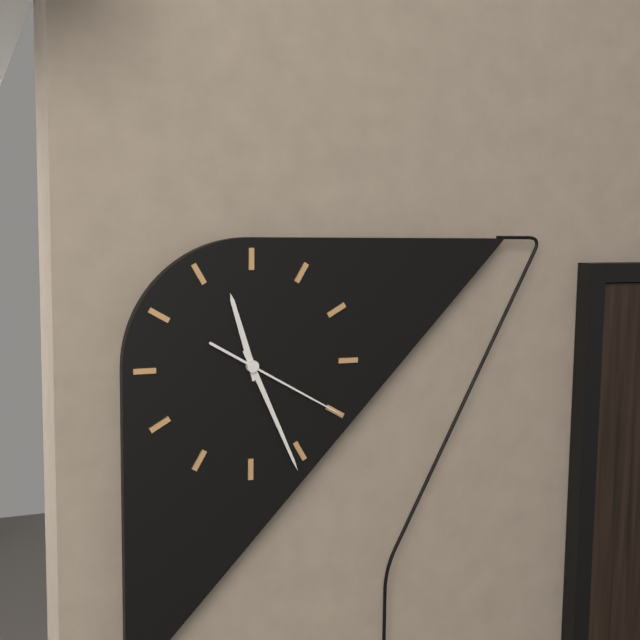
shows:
11,26,20
